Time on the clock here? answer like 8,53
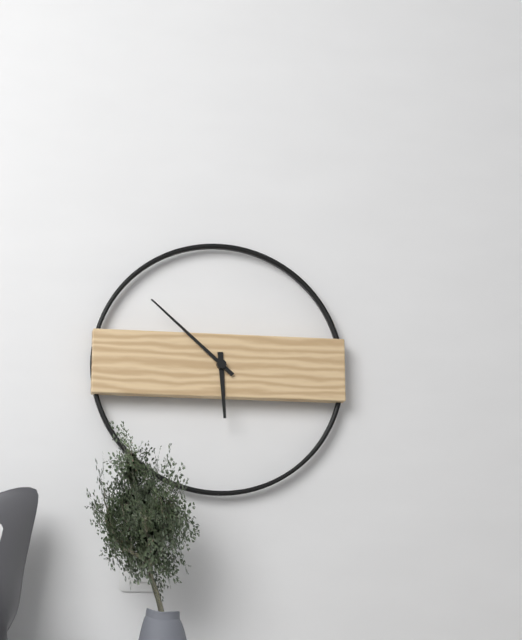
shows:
5,52
